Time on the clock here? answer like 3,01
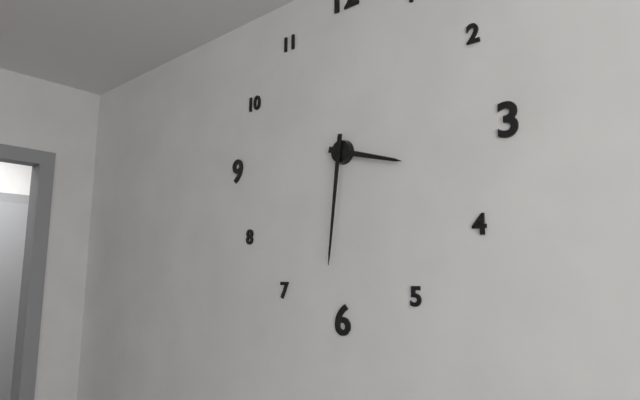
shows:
3,31
